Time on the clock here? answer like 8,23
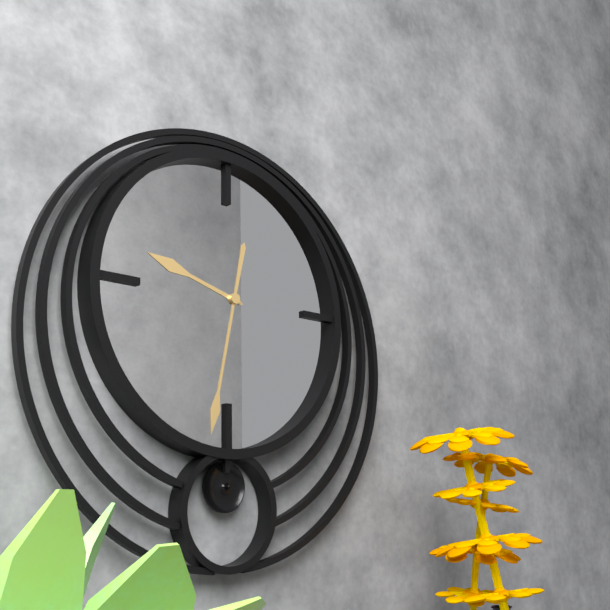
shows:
9,32
